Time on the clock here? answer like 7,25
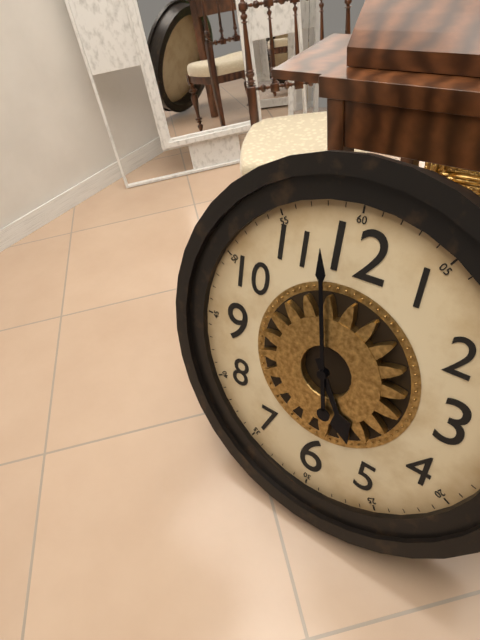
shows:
4,58
